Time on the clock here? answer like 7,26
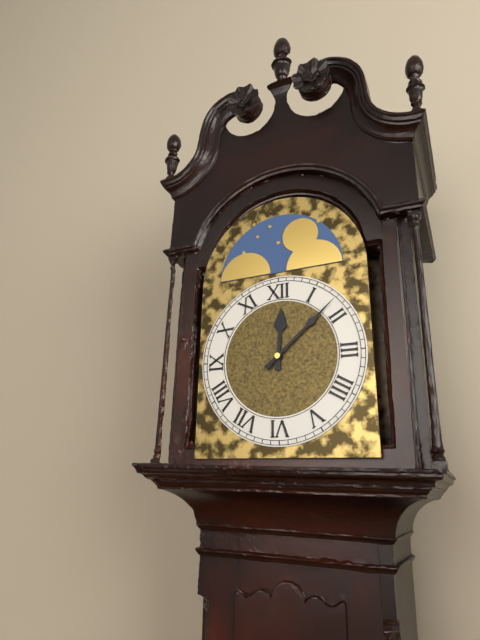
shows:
12,08
